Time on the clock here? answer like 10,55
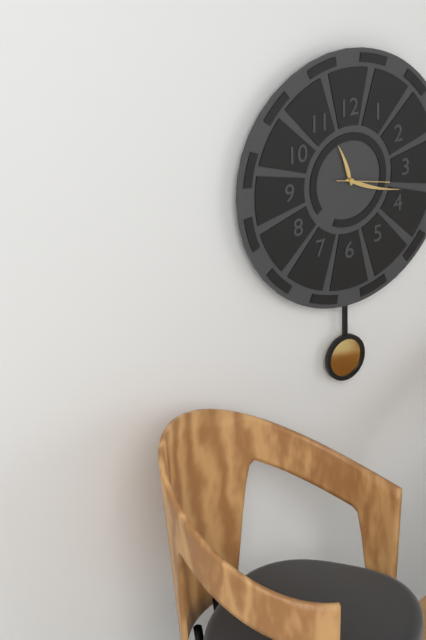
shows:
11,18
